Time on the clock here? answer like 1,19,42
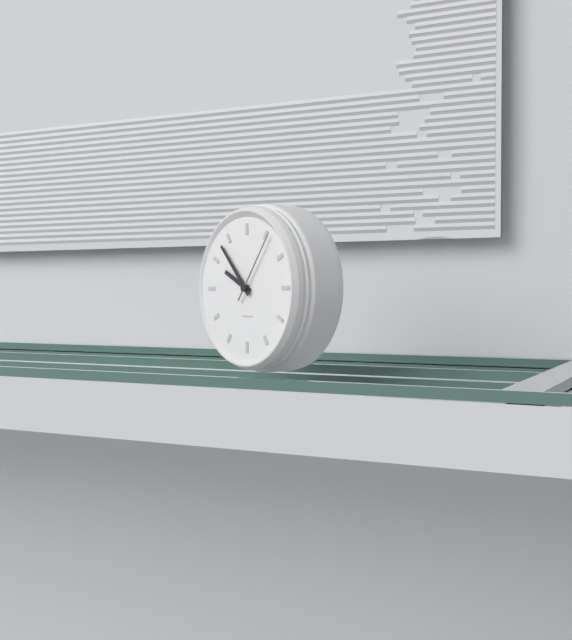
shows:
9,53,06
